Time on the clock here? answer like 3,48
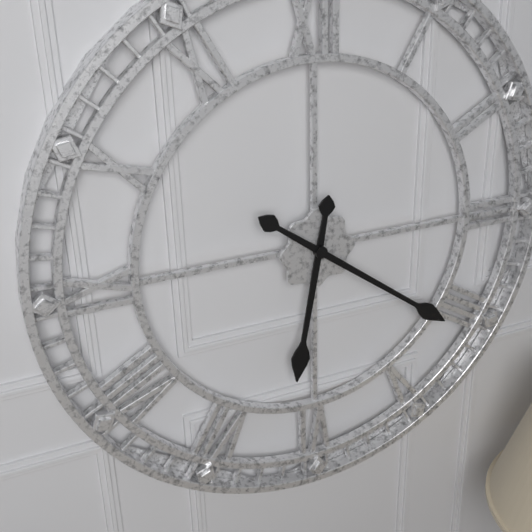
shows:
6,21
